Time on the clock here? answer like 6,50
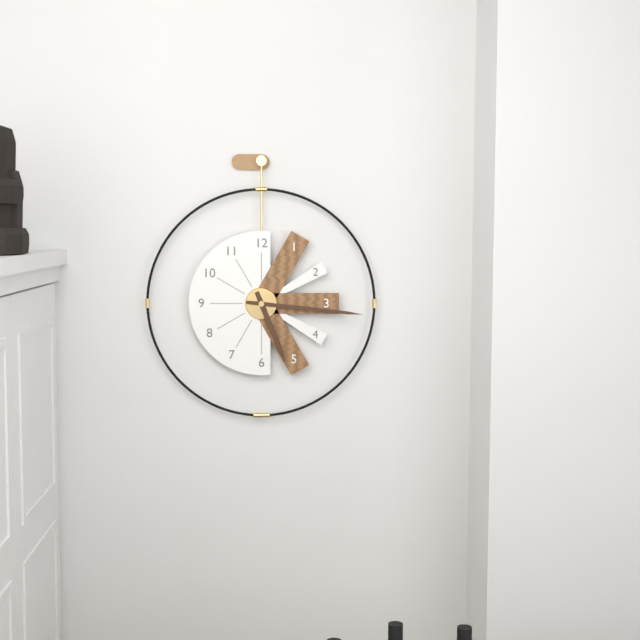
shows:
5,16
